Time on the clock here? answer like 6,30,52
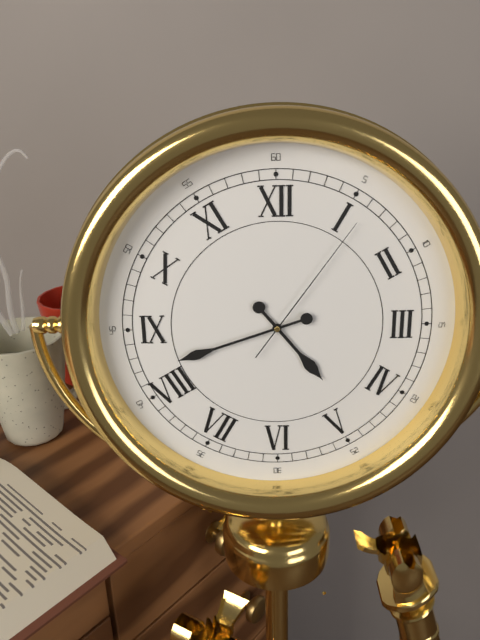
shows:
4,42,06
